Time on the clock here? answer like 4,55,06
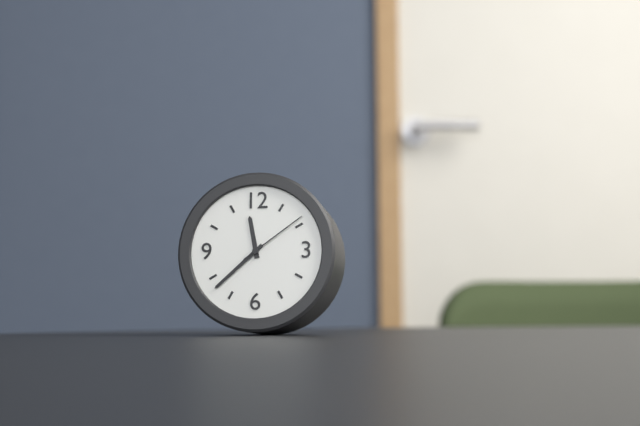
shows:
11,38,09
